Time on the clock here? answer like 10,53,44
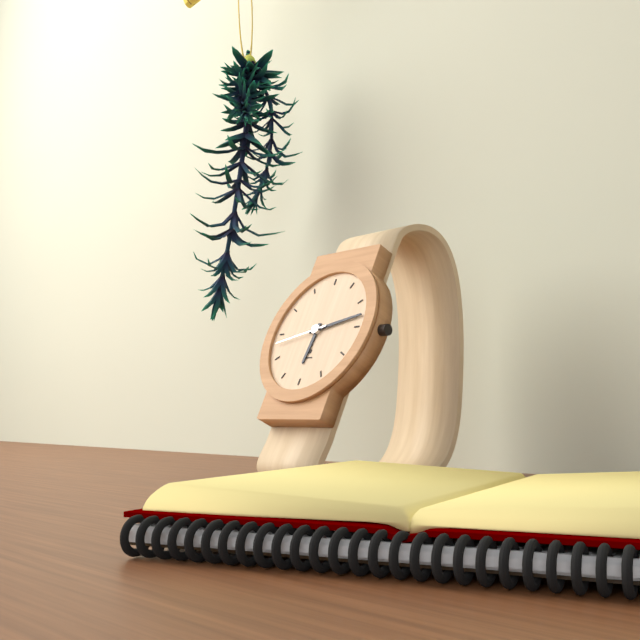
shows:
6,13,43
